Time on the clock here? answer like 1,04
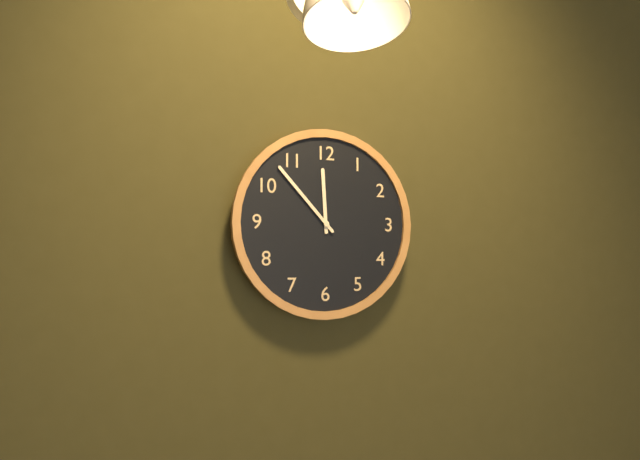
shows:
11,53
